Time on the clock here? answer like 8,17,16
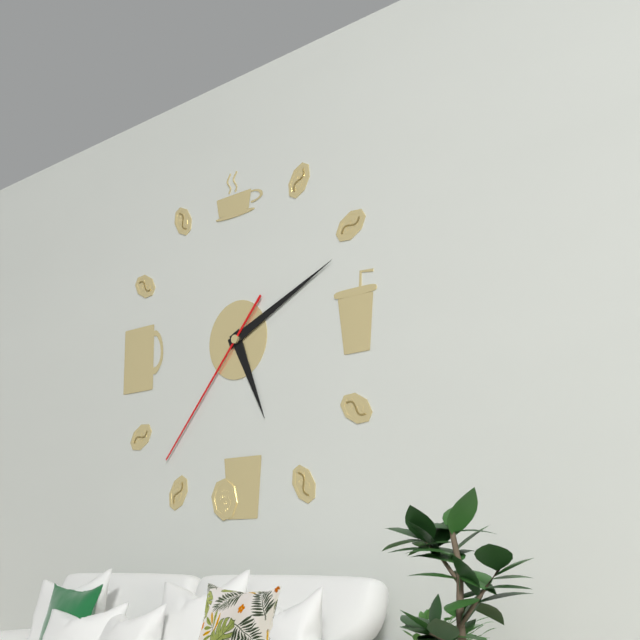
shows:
5,11,37
